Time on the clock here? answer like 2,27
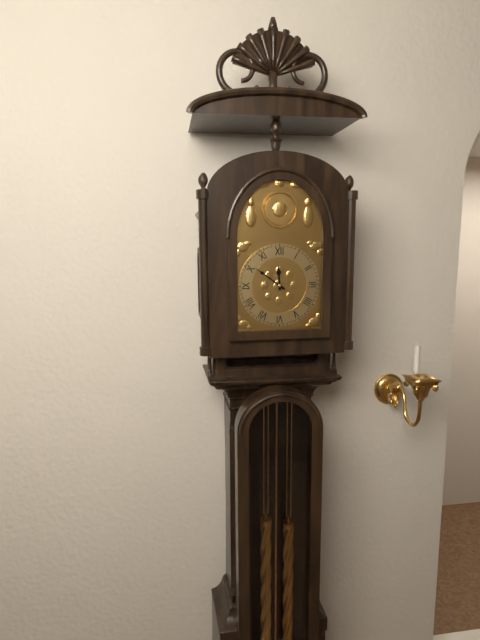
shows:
11,51
